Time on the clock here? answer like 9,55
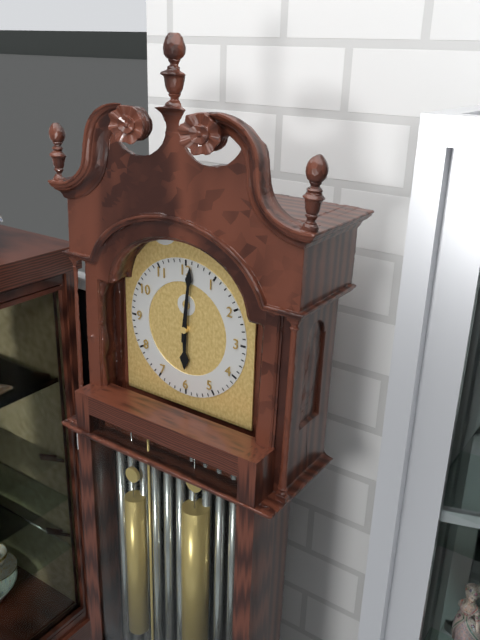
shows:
6,01
